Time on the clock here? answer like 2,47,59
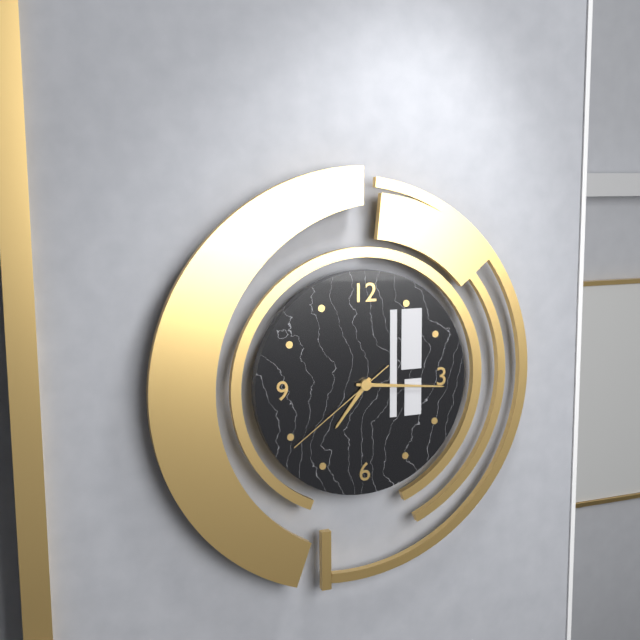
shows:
7,16,39
